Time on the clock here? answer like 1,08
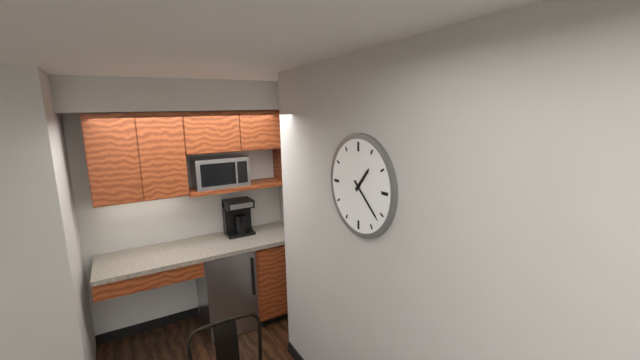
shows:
1,22
